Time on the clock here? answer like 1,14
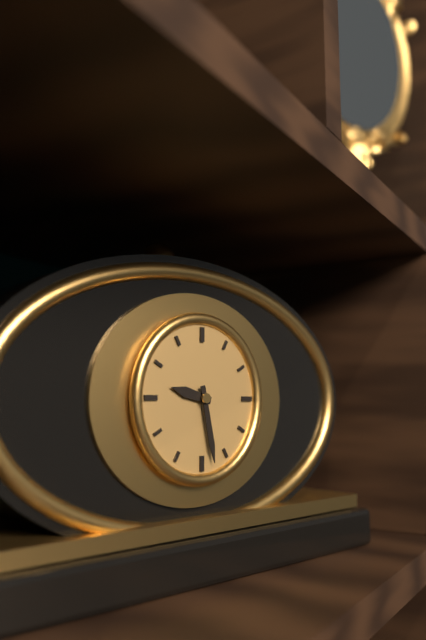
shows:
9,28
